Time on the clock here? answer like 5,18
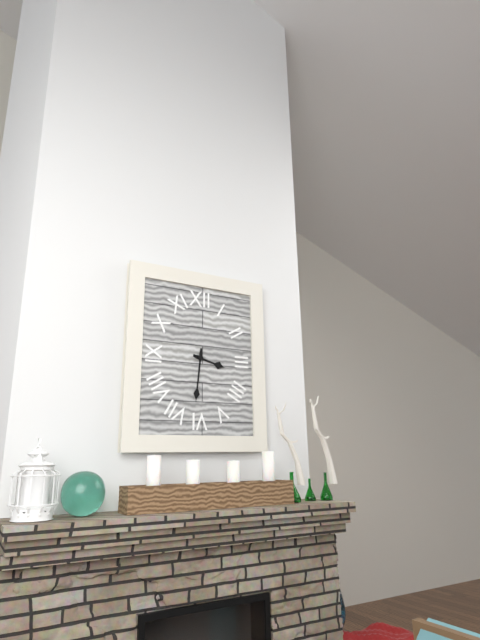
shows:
3,31
